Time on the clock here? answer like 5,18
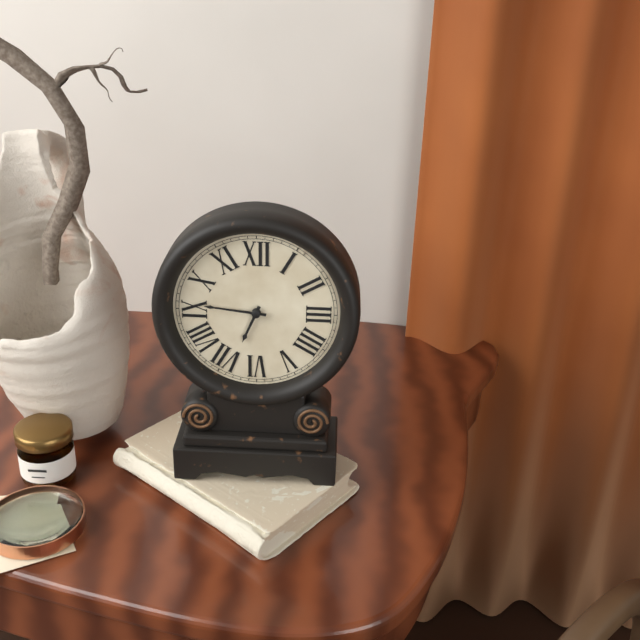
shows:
6,46
